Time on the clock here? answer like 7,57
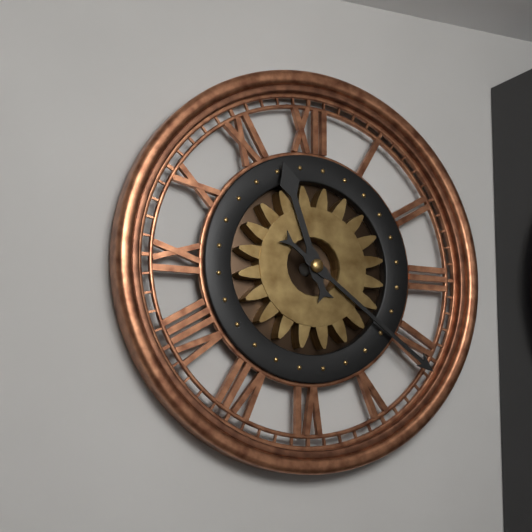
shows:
11,21
